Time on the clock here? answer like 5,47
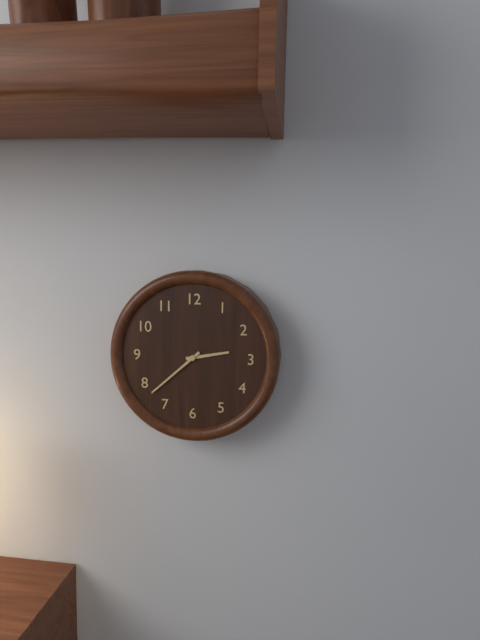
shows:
2,38
